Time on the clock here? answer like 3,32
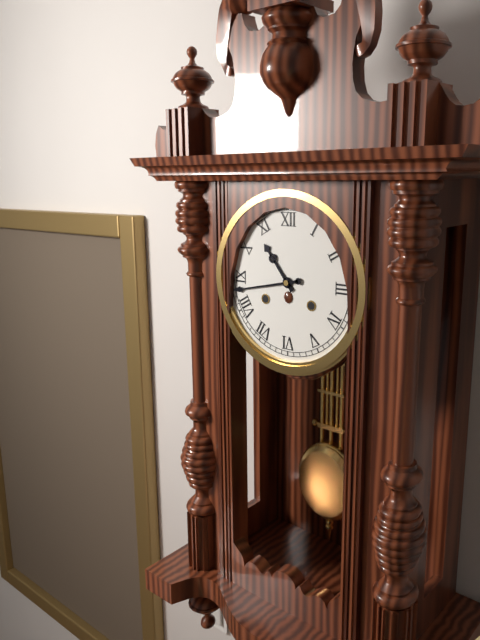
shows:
10,43
